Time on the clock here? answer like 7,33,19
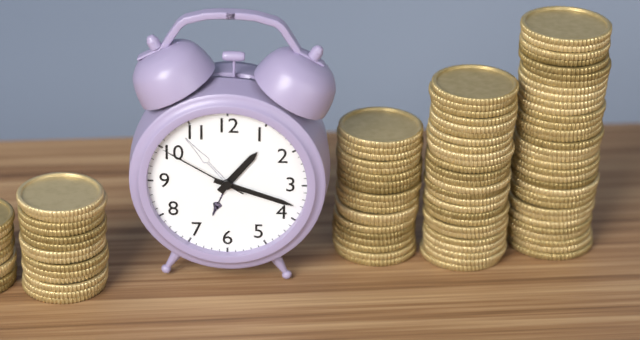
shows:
1,18,50
